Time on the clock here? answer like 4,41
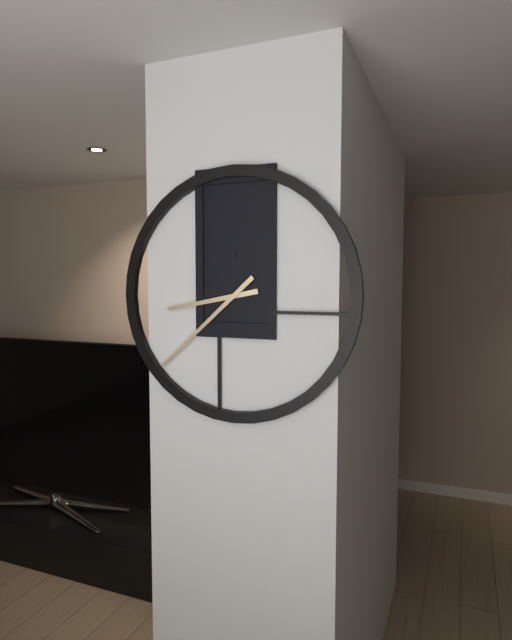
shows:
8,38
